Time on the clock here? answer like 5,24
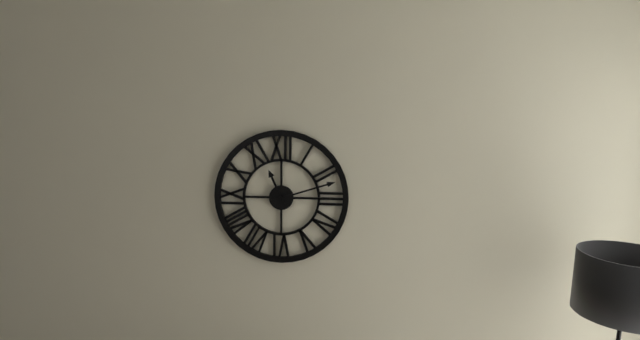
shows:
11,12
